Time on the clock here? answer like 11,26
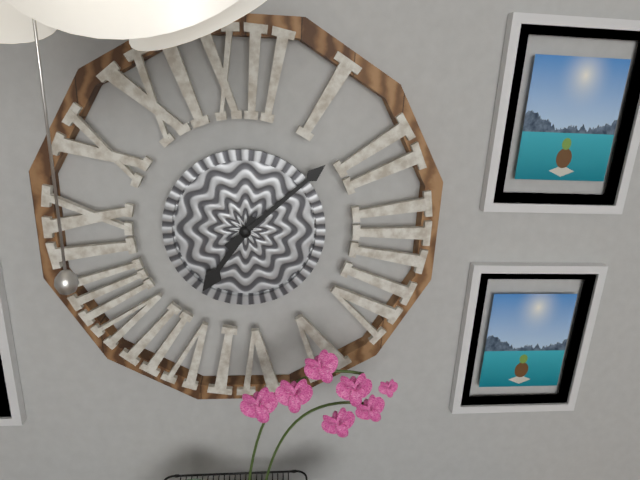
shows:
7,08
